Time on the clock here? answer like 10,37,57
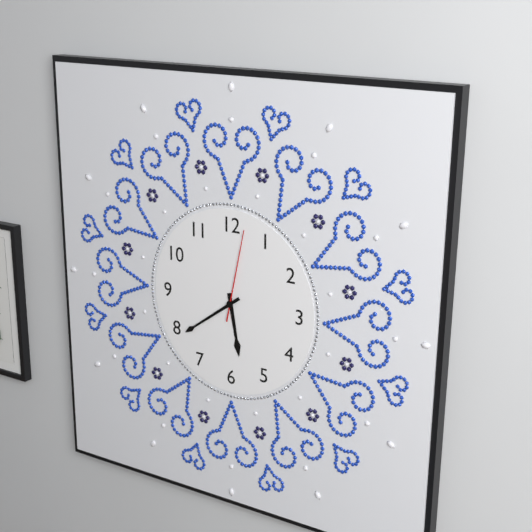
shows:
5,39,02
